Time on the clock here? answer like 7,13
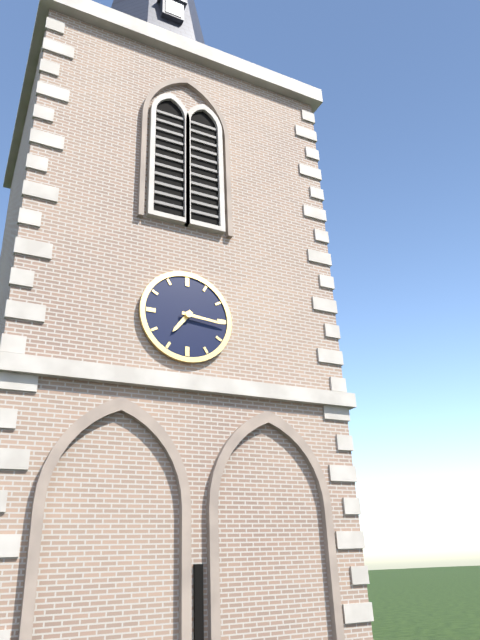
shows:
7,16
